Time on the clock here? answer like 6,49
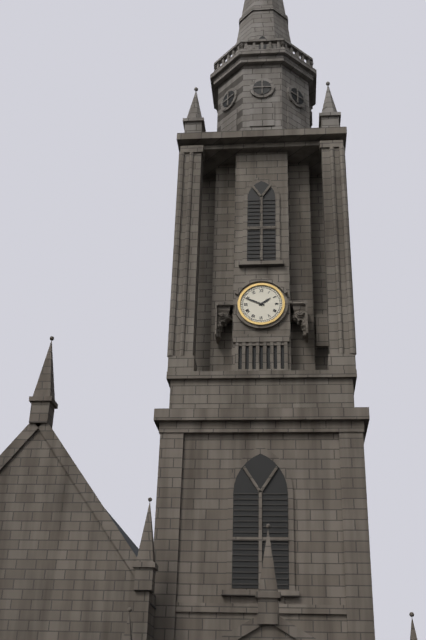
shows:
1,49
